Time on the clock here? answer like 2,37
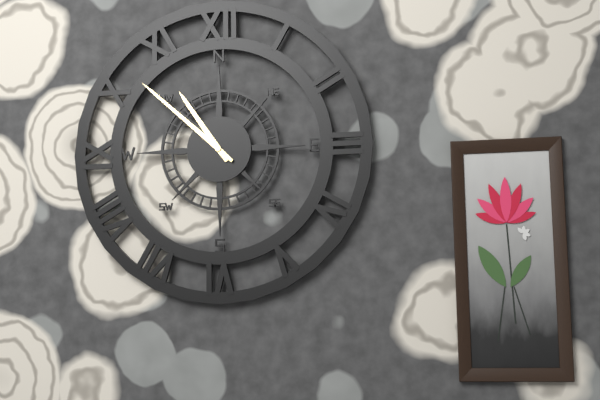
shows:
10,52
